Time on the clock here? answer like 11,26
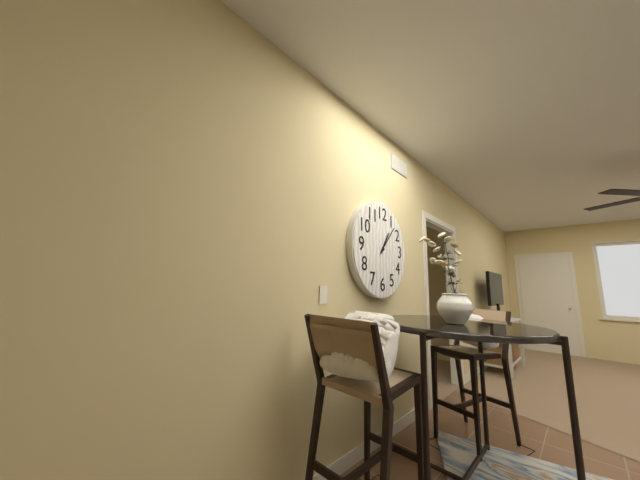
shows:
1,07
